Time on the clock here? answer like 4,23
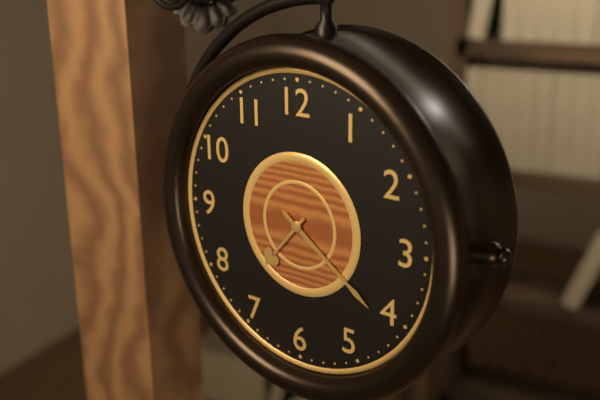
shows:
7,21
